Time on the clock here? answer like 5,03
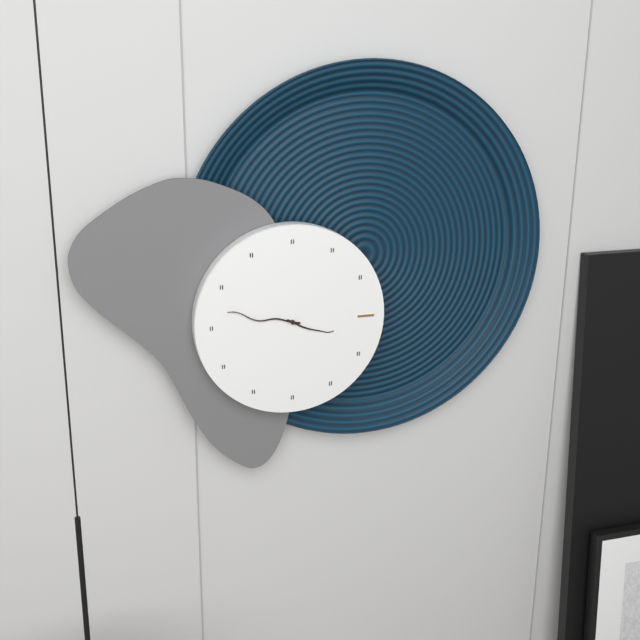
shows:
3,47
